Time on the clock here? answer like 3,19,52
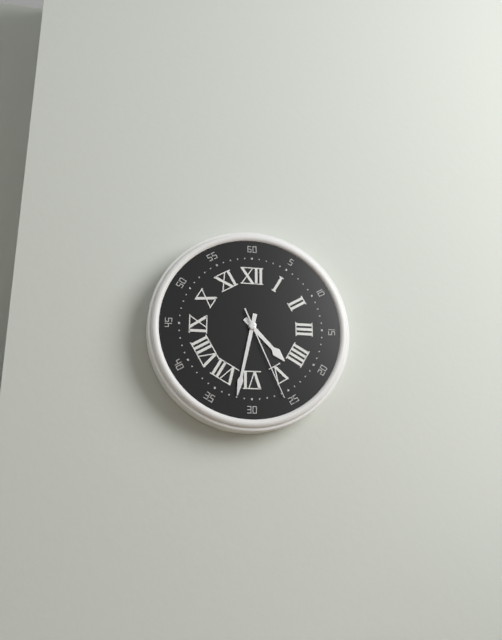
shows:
4,32,26
